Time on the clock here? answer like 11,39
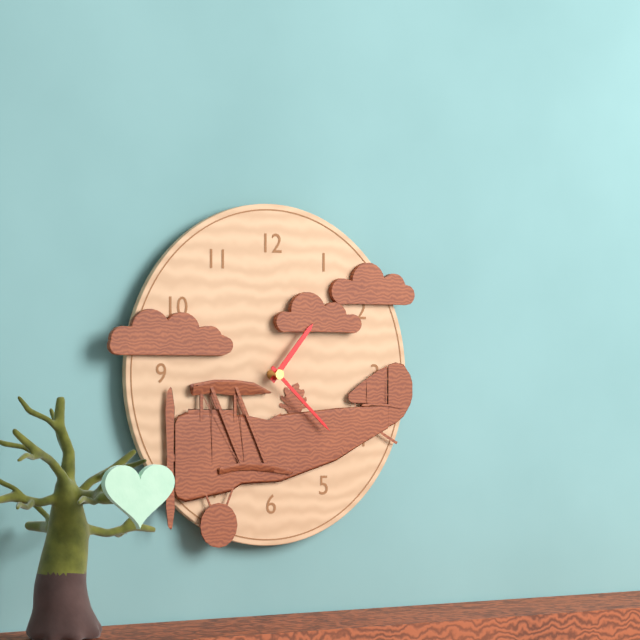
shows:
1,22
